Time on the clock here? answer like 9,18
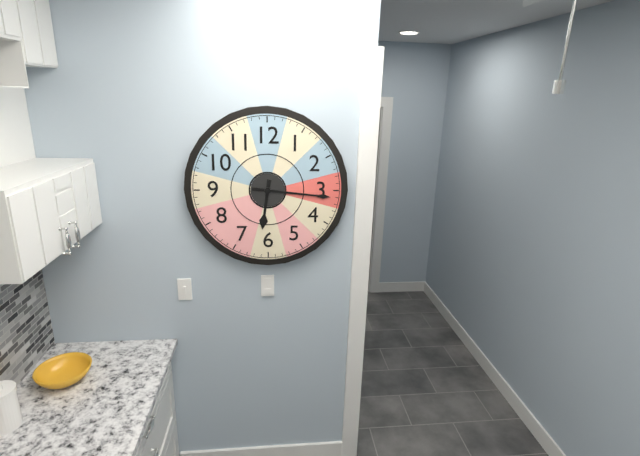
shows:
6,16
